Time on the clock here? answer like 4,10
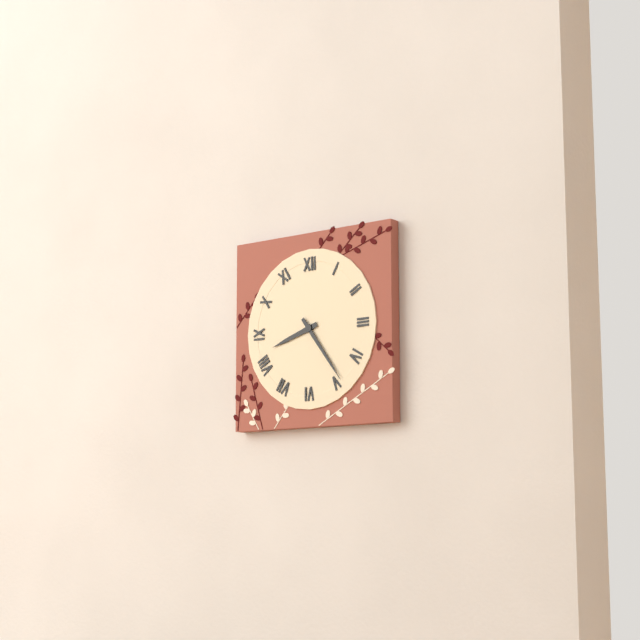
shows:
8,24
